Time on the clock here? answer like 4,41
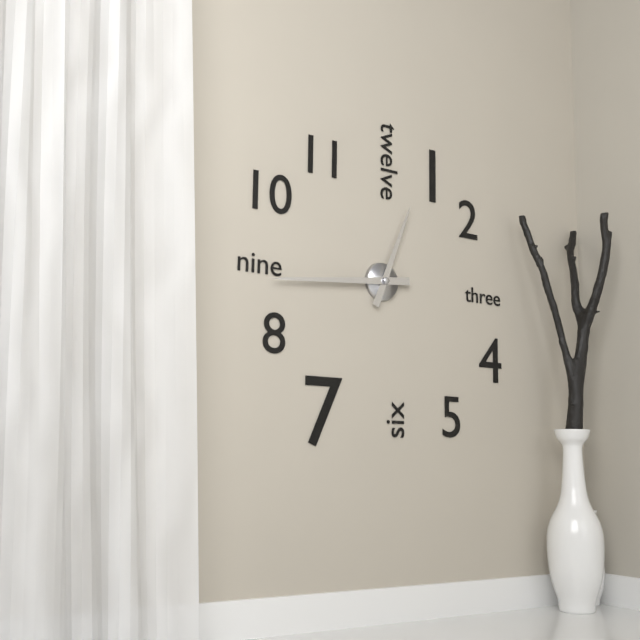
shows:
12,44
